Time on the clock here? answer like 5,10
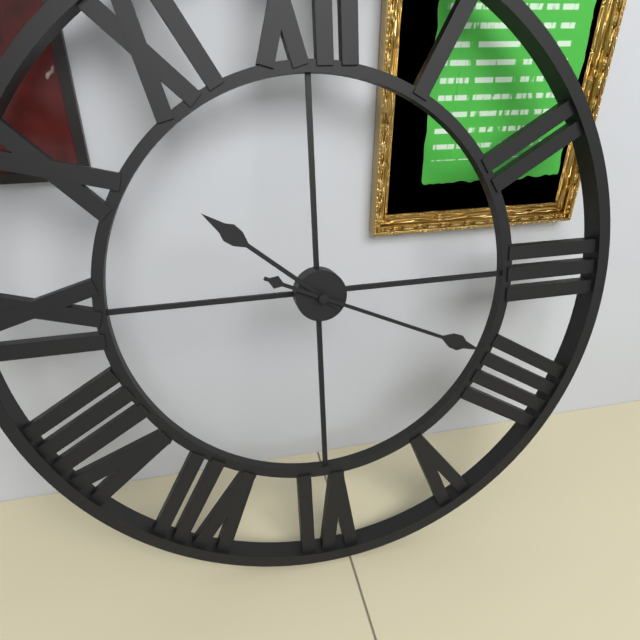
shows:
10,19
